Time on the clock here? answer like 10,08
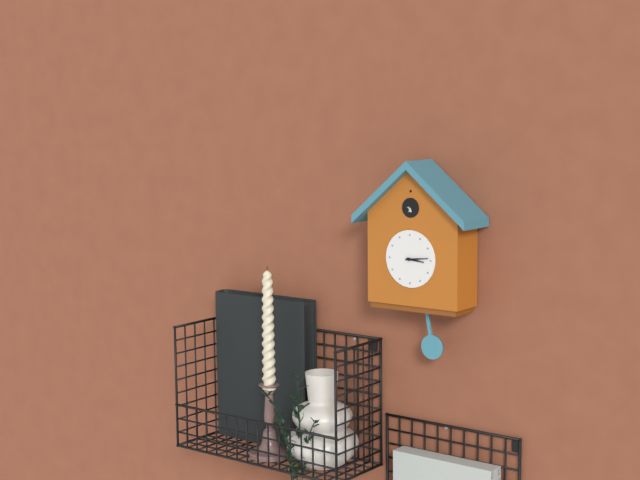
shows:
3,14
